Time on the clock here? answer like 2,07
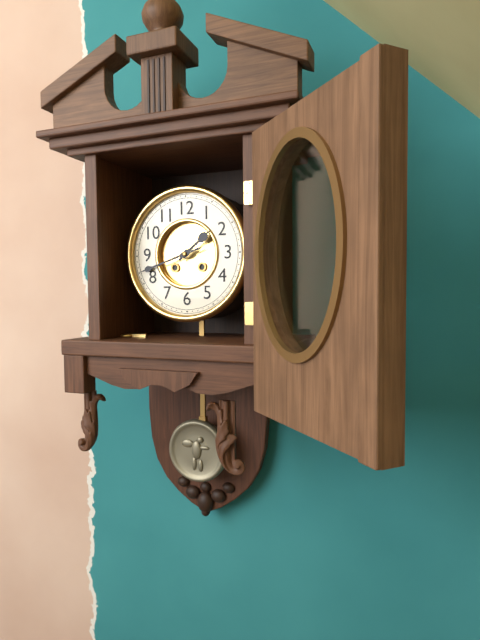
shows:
1,42
